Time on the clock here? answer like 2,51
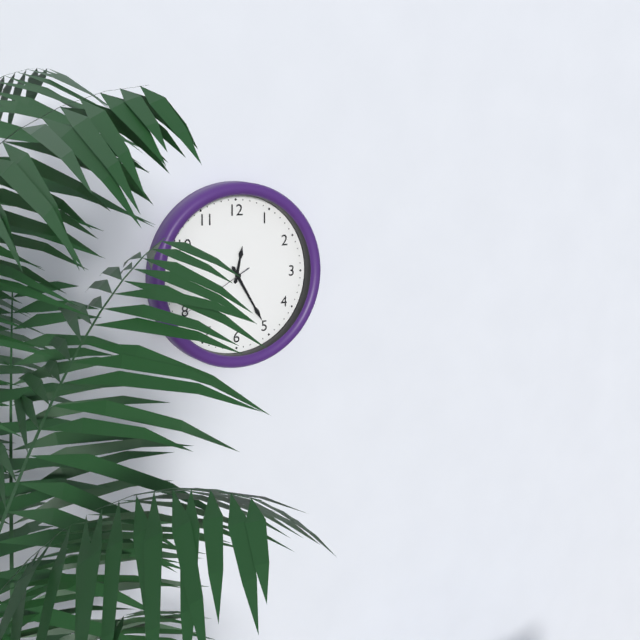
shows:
12,25
